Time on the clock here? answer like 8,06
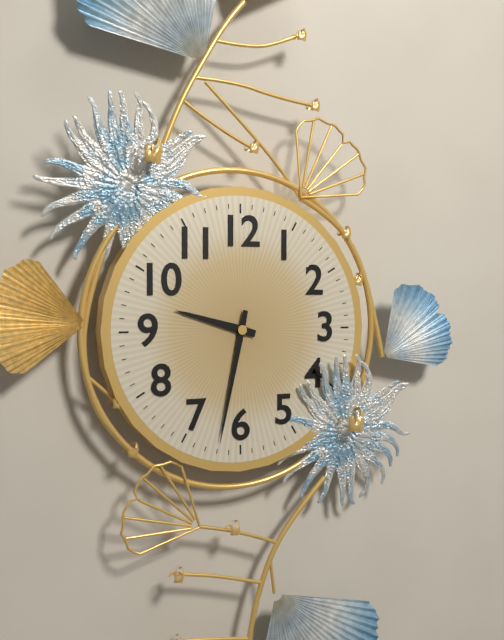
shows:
9,32
